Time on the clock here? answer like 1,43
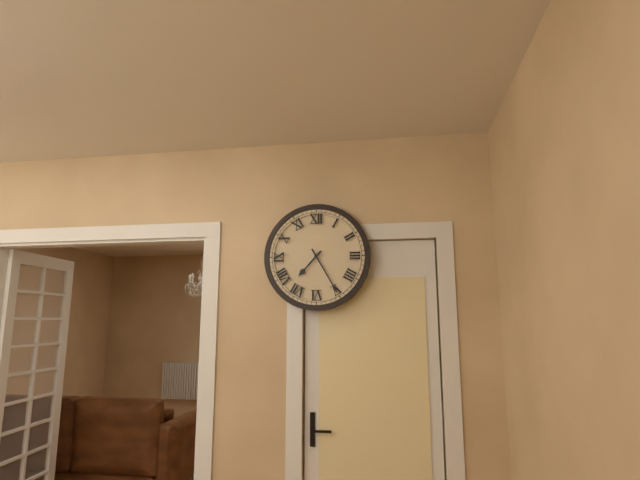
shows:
7,25
